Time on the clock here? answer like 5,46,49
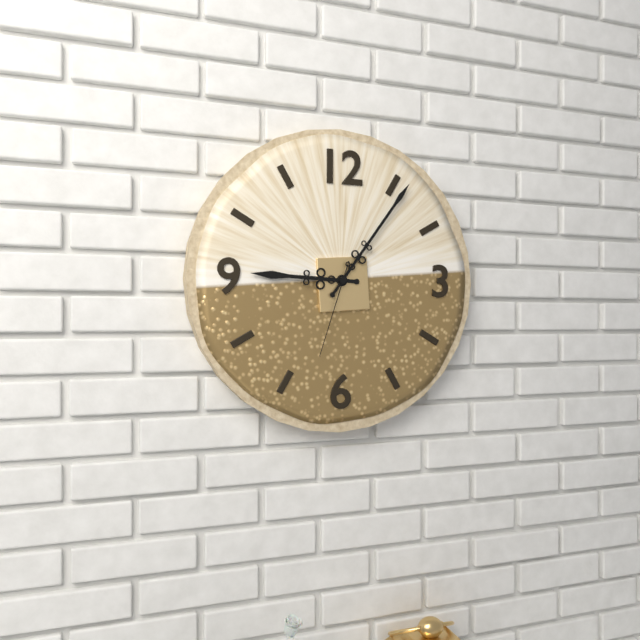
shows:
9,06,33
